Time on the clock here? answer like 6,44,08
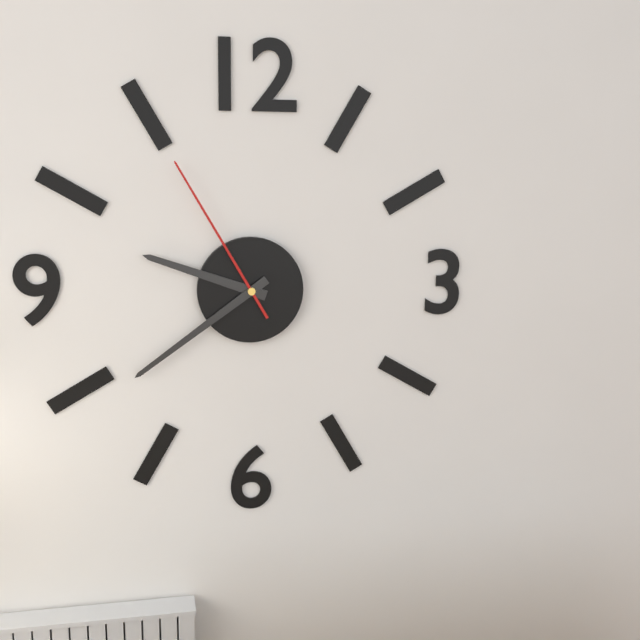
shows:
9,39,55
